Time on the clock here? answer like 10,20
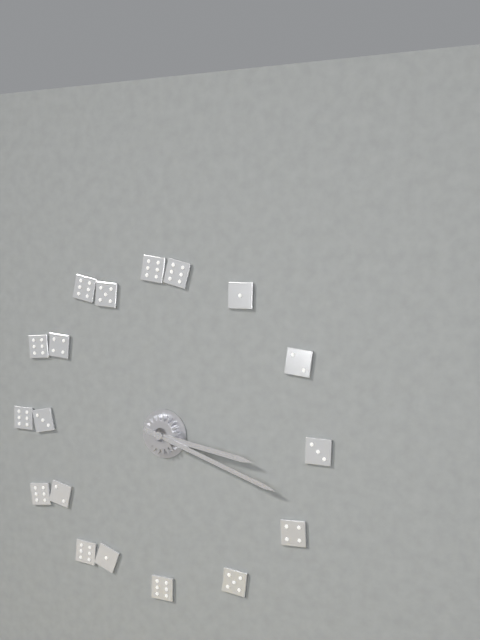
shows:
3,18
